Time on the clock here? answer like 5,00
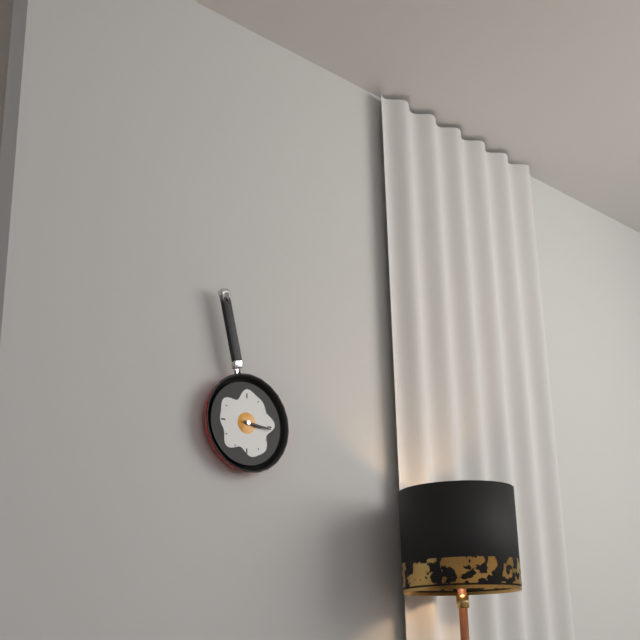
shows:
3,16
